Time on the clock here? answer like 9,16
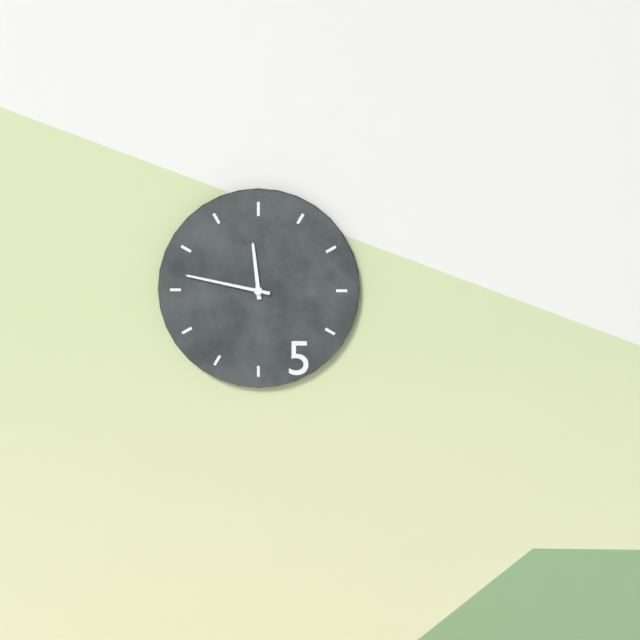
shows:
11,47
